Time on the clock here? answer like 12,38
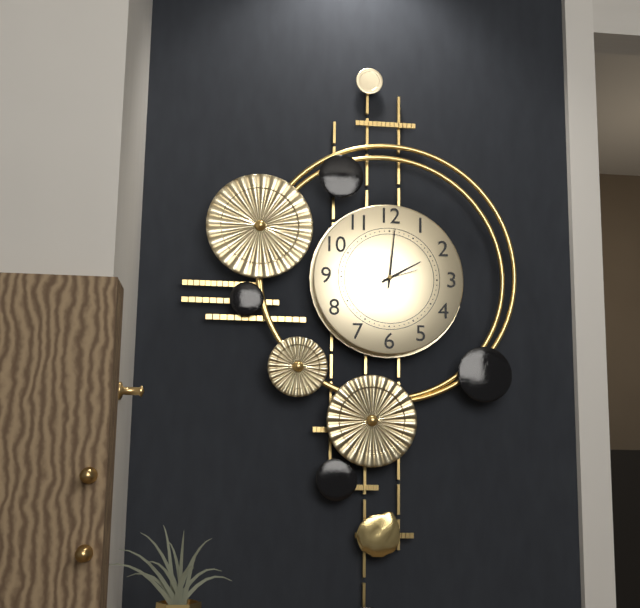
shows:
2,01
